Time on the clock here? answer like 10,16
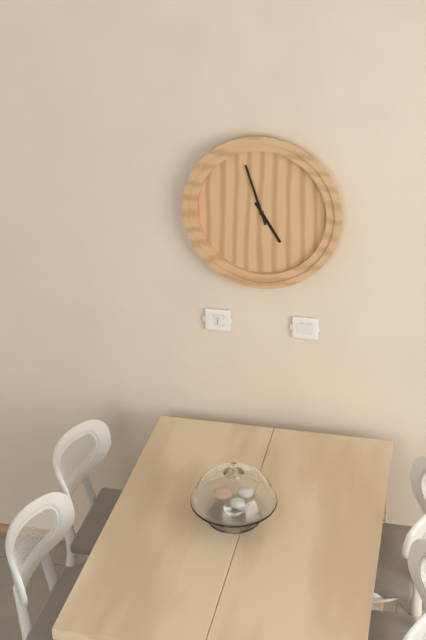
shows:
4,57
